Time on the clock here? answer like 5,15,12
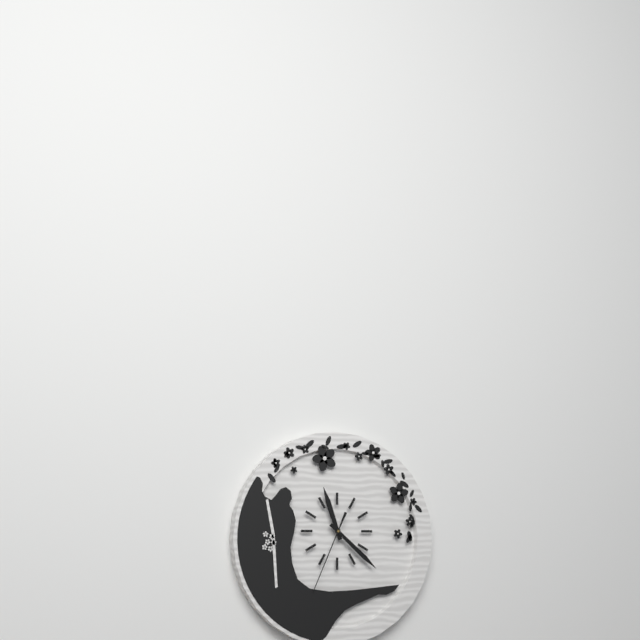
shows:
11,22,34
